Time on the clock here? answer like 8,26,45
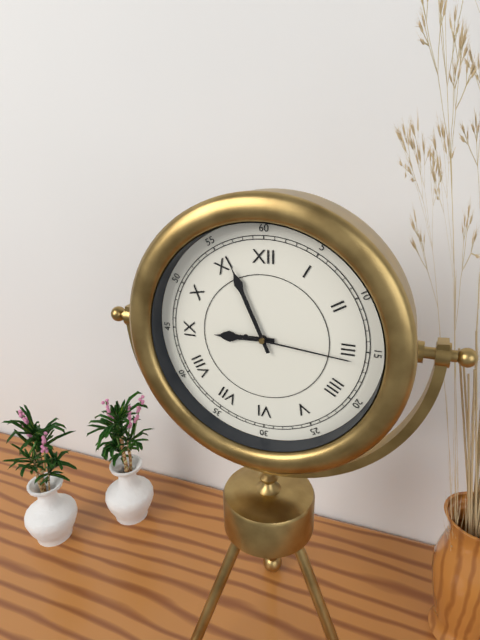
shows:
8,56,16
